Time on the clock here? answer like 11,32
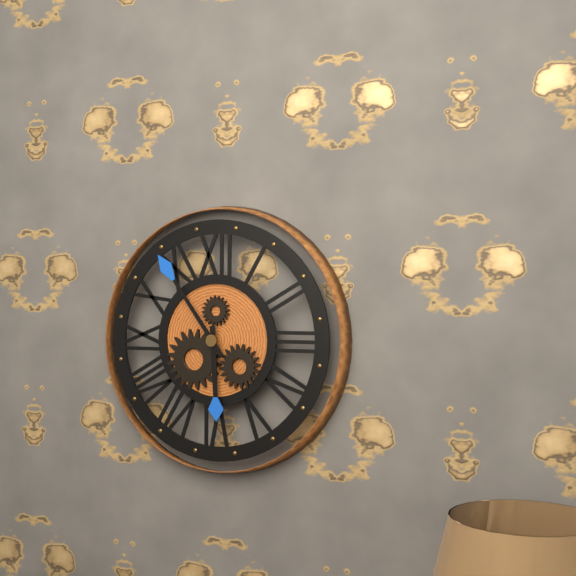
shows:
5,54
